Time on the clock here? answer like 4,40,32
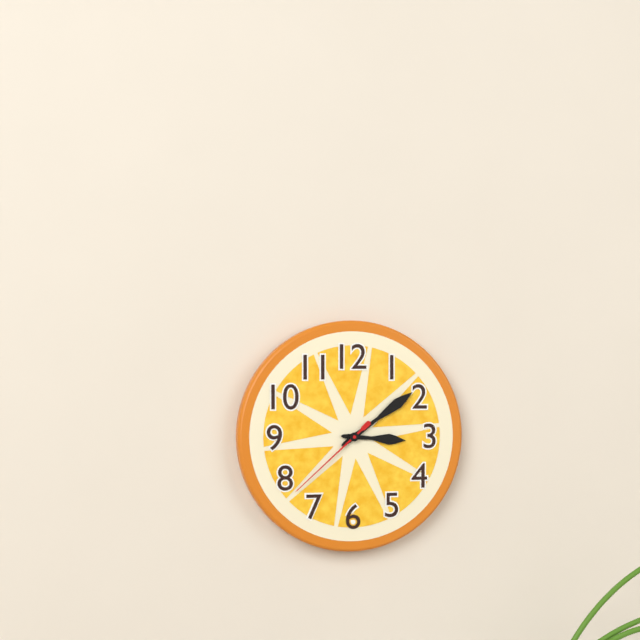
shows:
3,09,38
